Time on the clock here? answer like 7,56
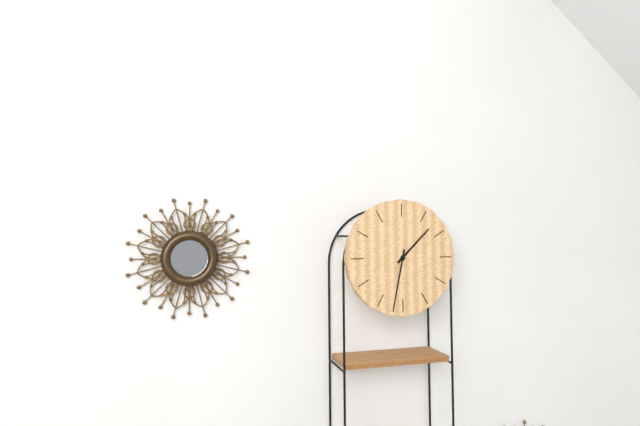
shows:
1,32
